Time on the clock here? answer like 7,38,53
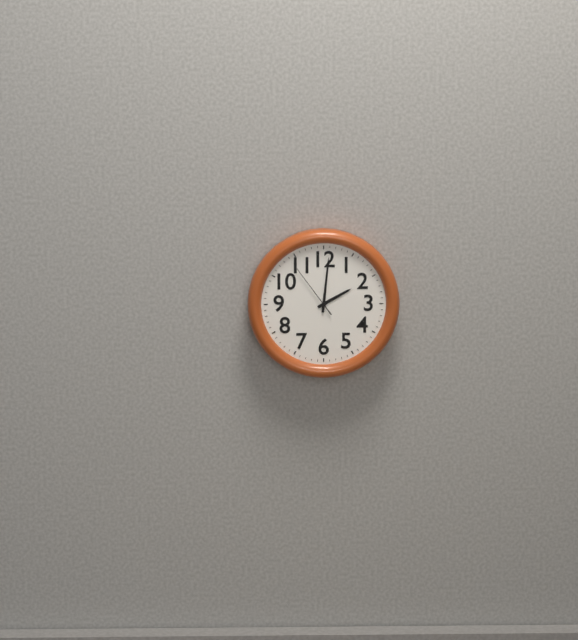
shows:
2,01,54
